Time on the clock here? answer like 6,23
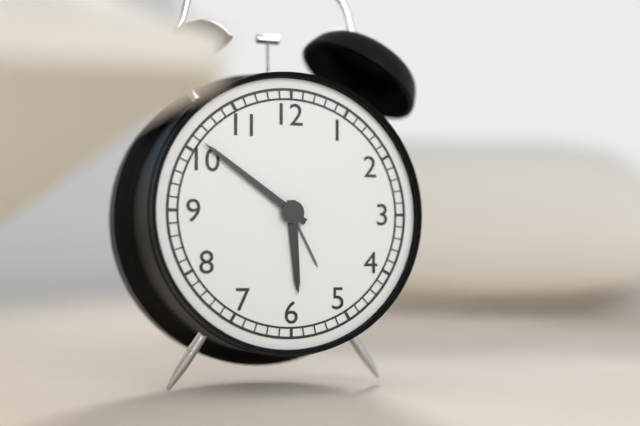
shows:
5,51
